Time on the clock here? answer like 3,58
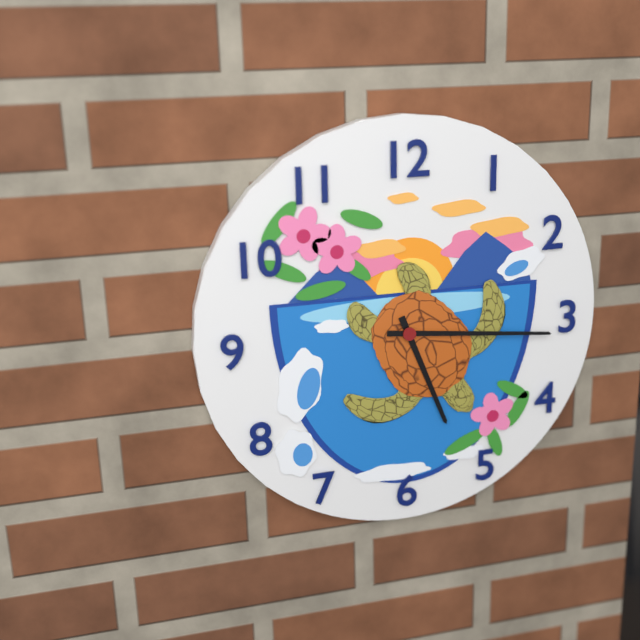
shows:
5,16
